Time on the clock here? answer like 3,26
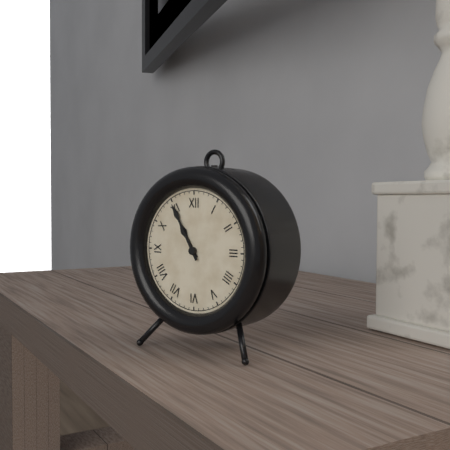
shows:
10,55
